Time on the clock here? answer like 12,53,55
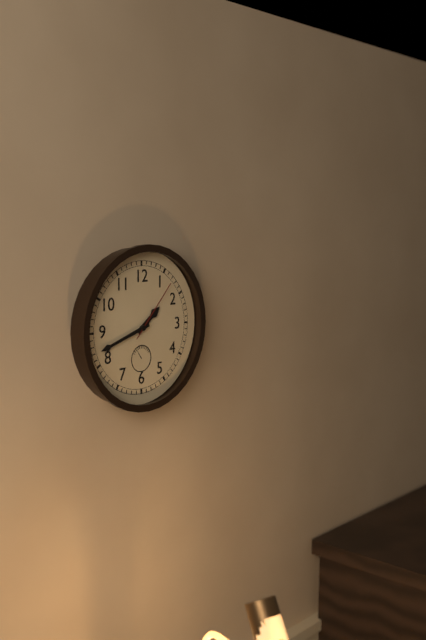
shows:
1,42,07
